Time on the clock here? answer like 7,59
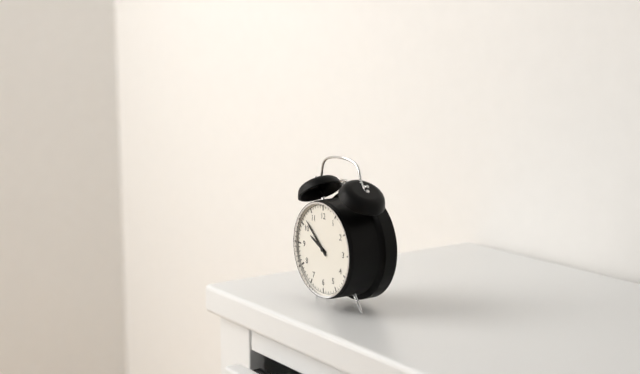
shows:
9,52
